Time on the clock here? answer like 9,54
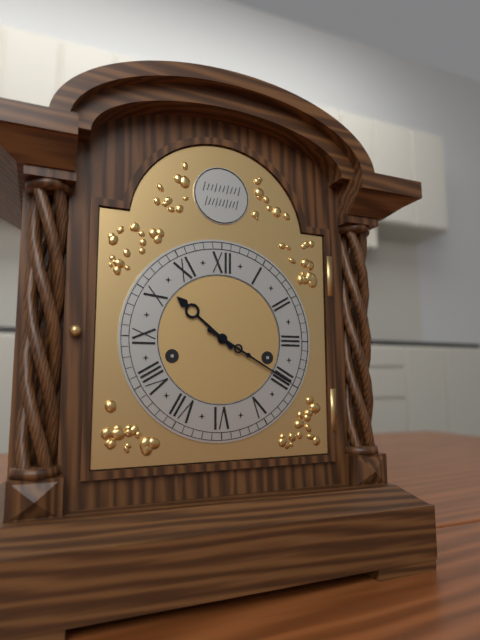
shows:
10,20
